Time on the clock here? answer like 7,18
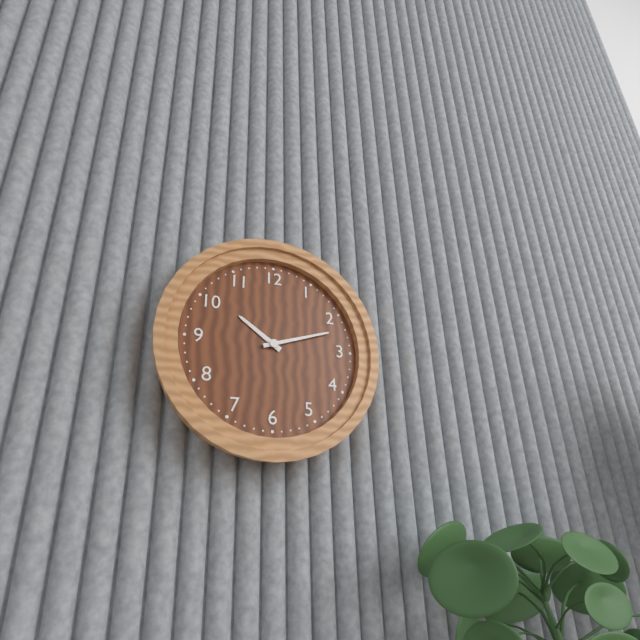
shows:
10,12
